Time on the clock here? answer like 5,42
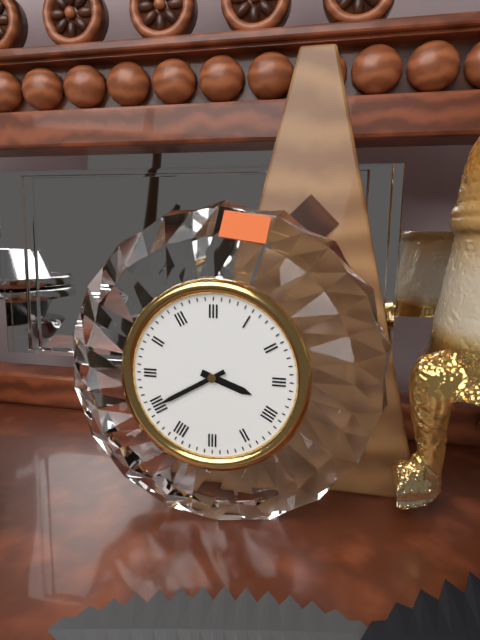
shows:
3,40
